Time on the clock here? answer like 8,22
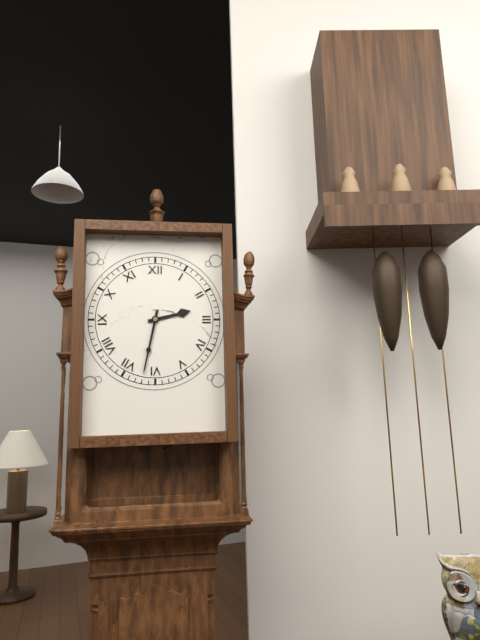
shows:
2,32
